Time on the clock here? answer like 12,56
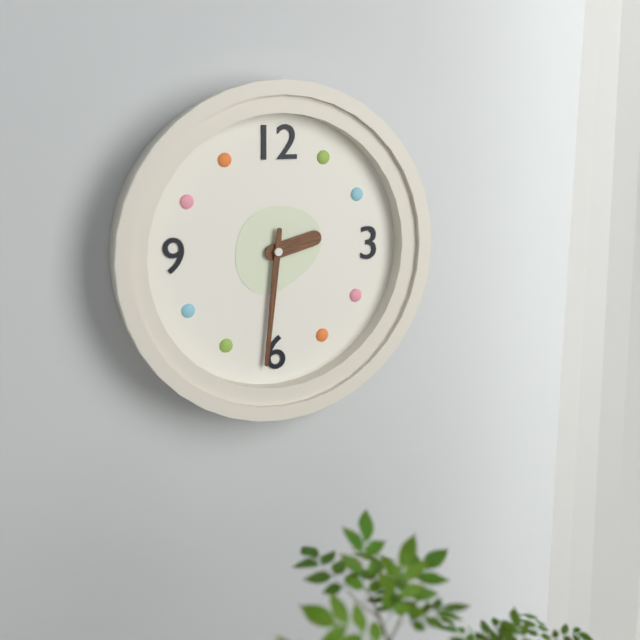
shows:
2,31
